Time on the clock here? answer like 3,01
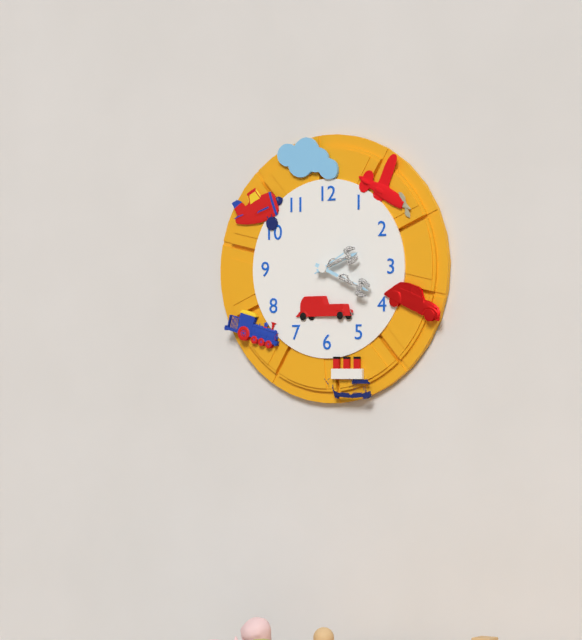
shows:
2,19
